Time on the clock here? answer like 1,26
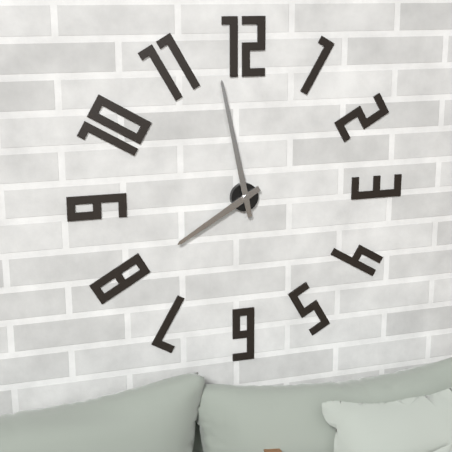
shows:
7,58
